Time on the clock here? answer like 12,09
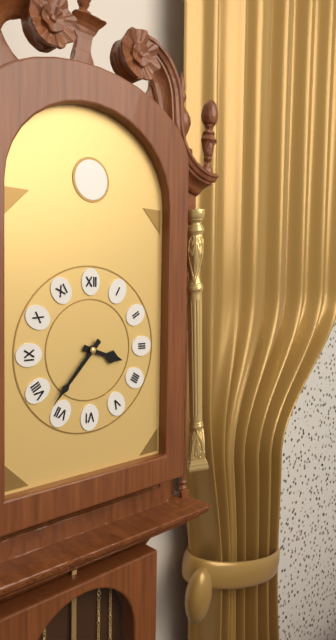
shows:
3,37
